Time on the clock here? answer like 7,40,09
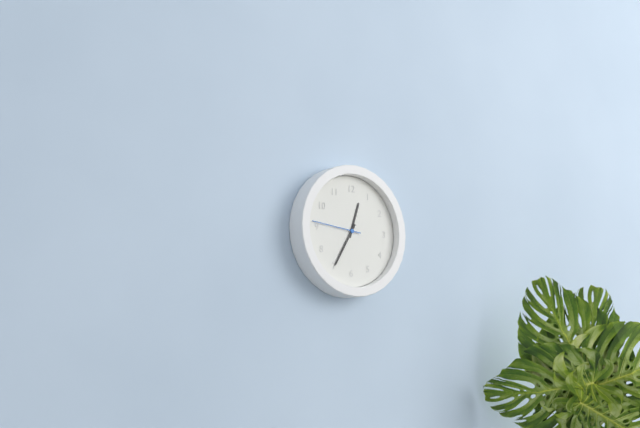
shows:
12,35,46
